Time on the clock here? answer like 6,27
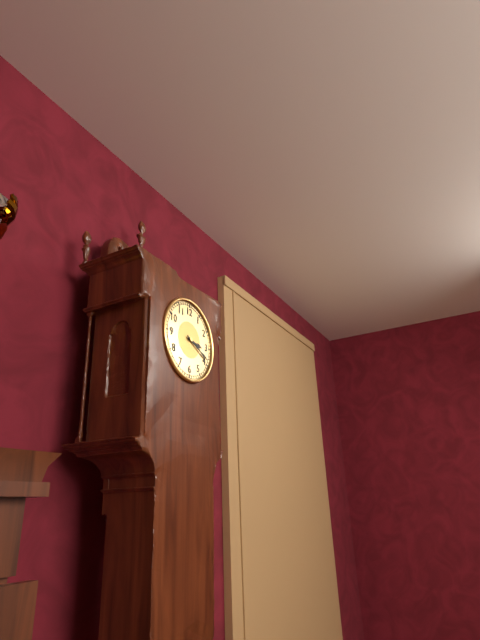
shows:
3,19
